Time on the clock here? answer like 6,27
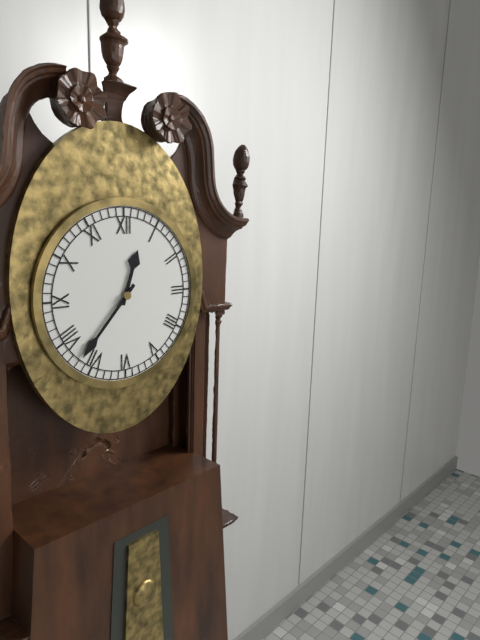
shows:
12,37
